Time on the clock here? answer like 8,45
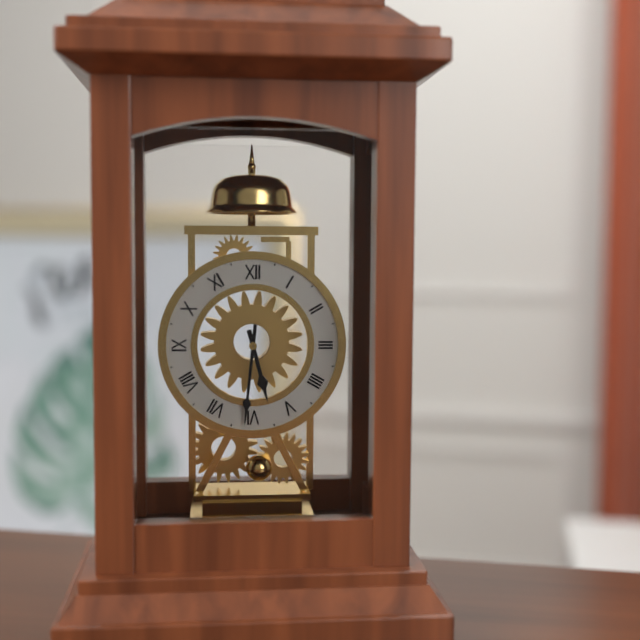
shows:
5,31
